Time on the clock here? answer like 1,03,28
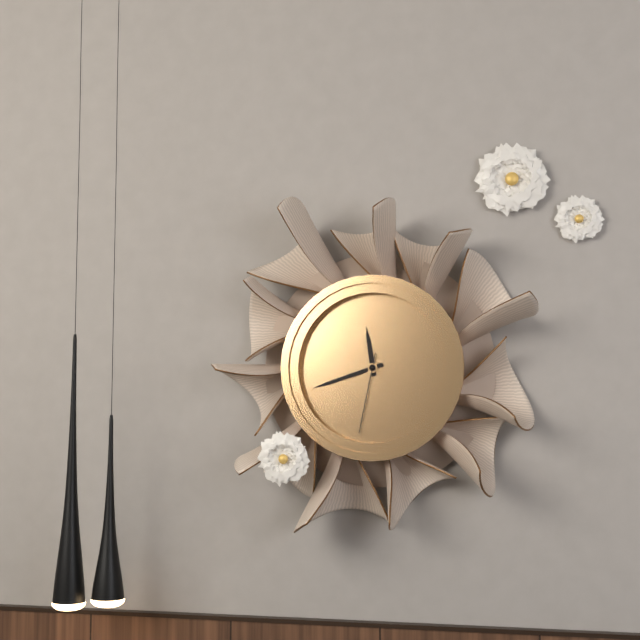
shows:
11,42,32
